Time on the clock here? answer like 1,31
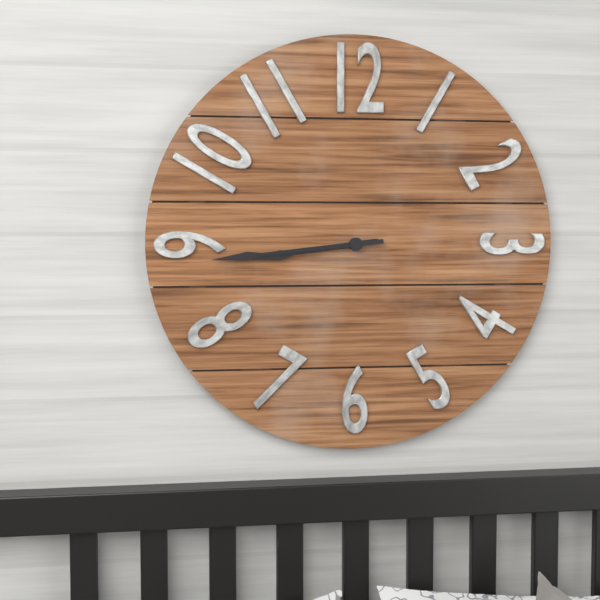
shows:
8,44
